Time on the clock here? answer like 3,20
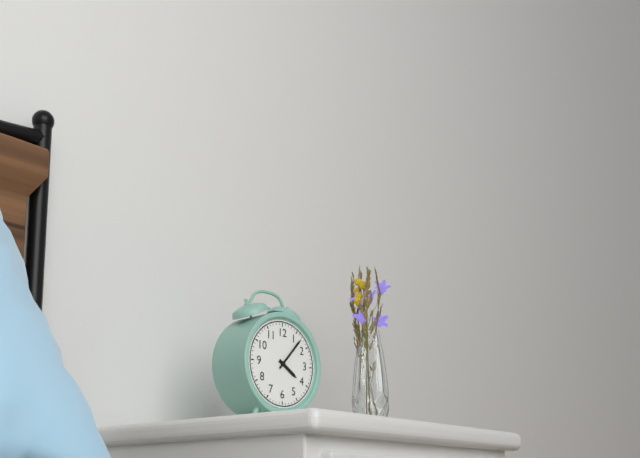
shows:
4,07
